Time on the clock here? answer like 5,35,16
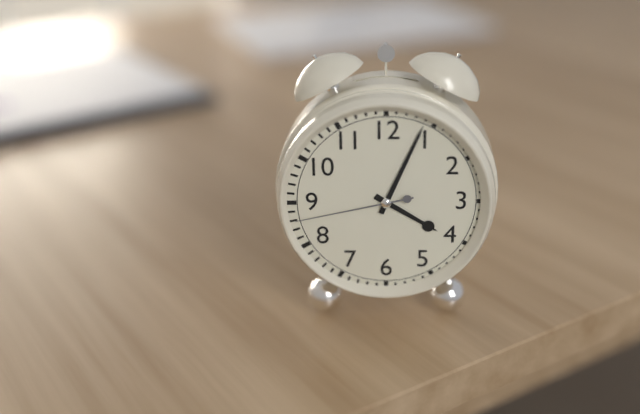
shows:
4,04,43
